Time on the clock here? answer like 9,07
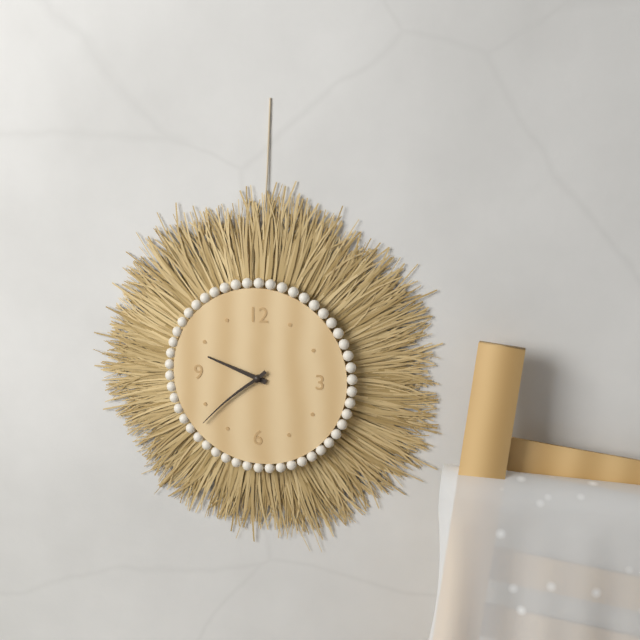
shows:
9,38
